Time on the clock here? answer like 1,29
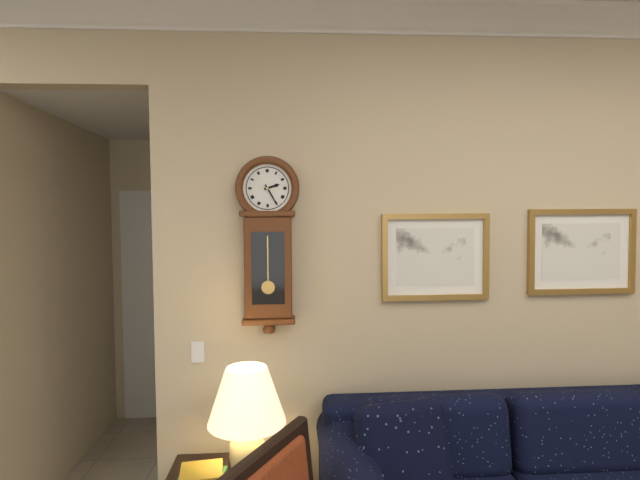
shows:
2,25
